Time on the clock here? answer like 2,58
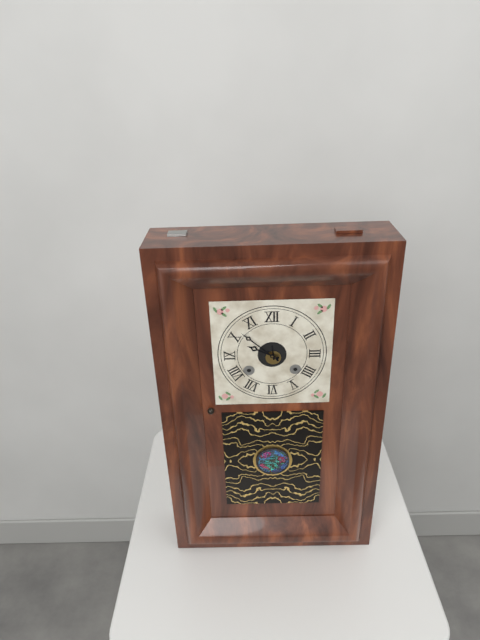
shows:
9,52
